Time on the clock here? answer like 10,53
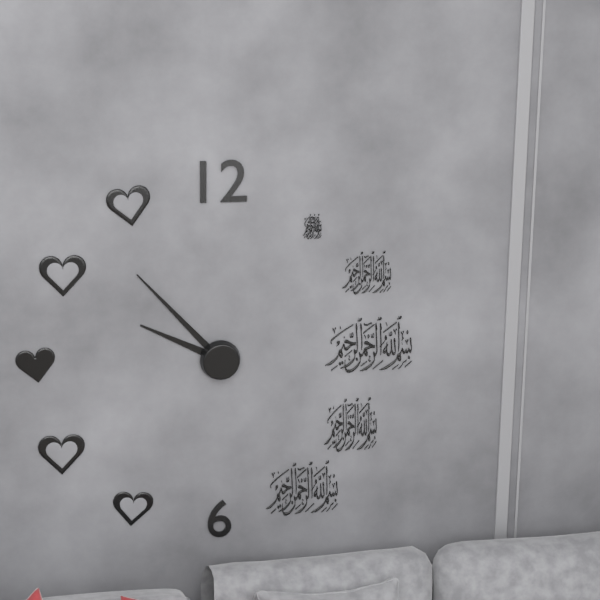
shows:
9,53
